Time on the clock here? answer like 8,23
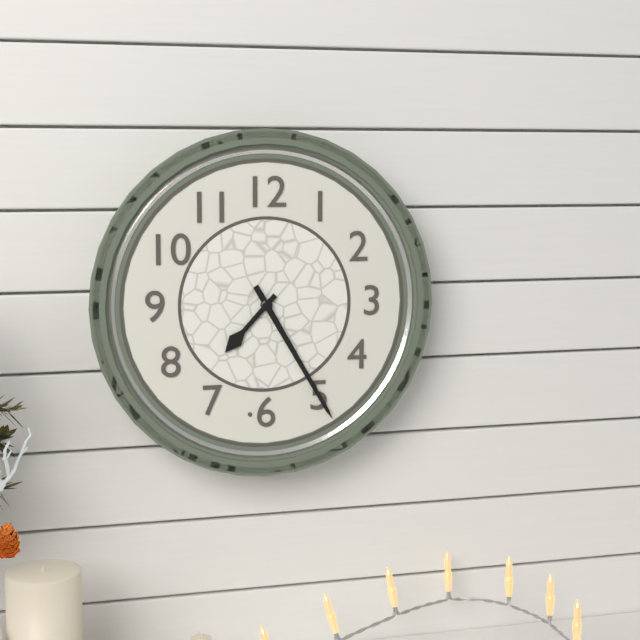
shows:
7,25
